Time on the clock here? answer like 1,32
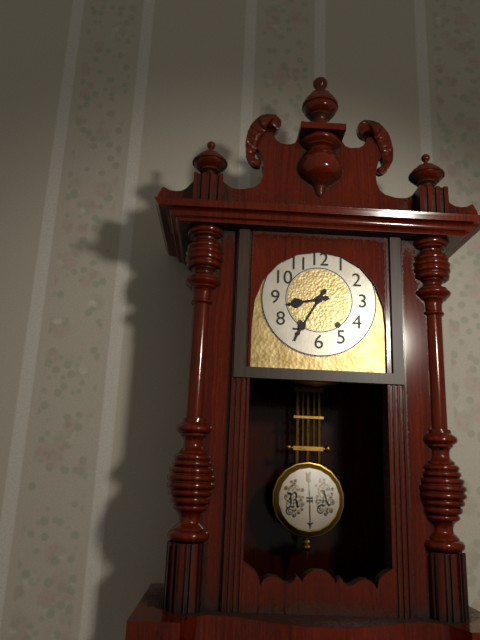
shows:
8,35
